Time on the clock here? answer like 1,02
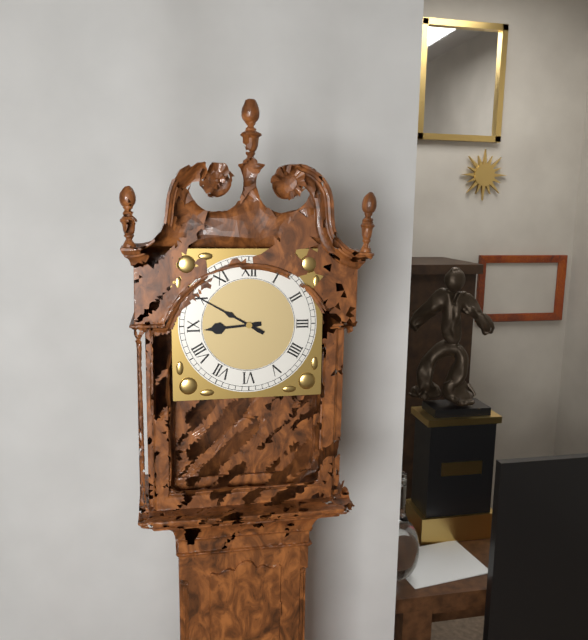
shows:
8,50
